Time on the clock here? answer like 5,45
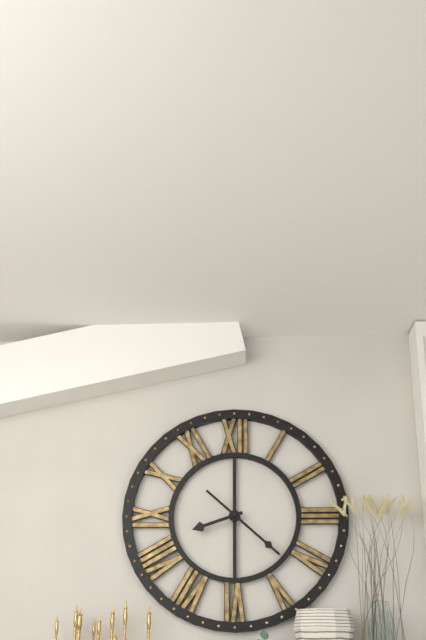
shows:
8,22
